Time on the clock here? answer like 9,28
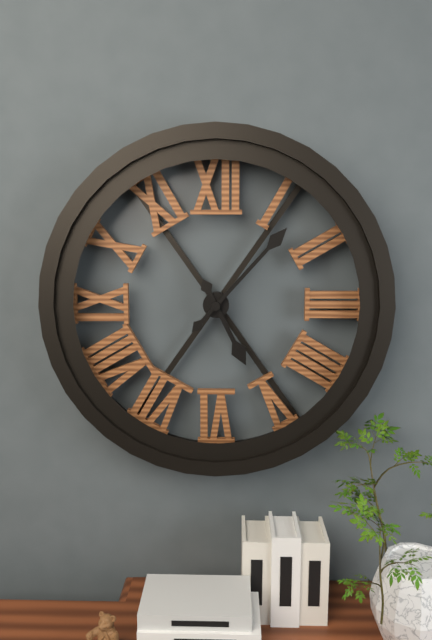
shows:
5,07
